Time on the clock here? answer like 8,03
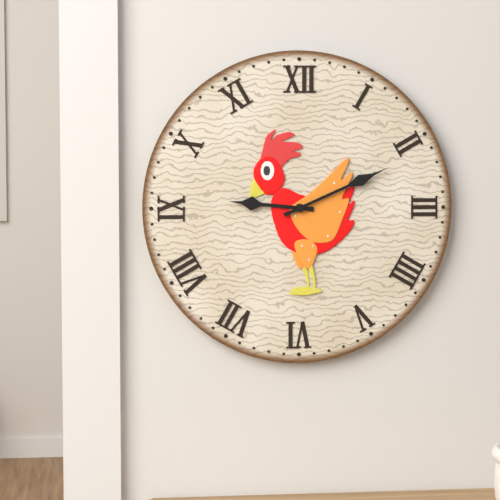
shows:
9,11
